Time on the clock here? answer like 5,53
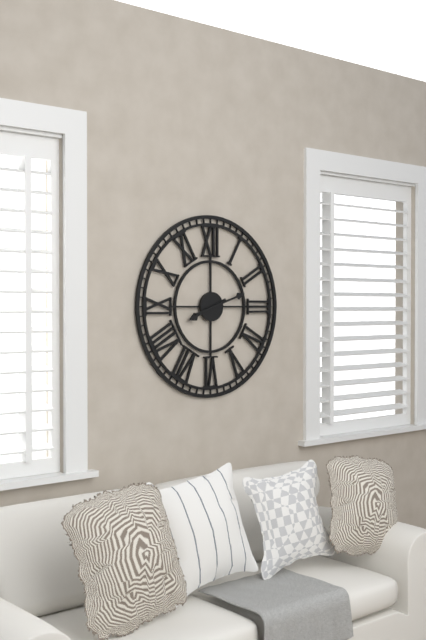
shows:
8,12
